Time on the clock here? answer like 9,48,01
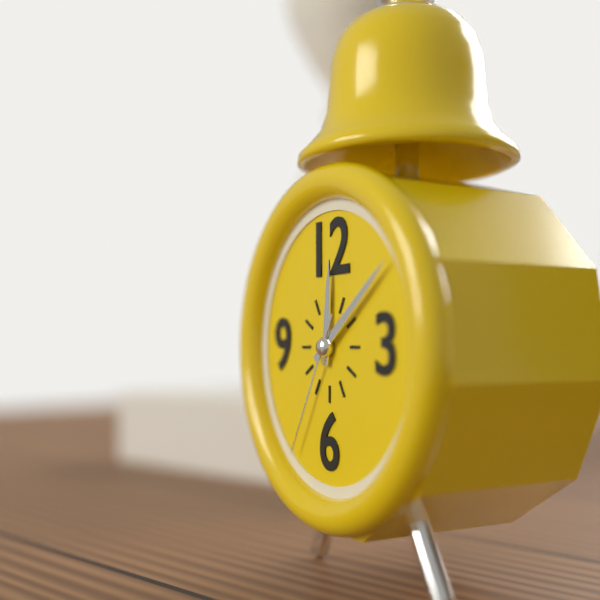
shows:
12,09,35
